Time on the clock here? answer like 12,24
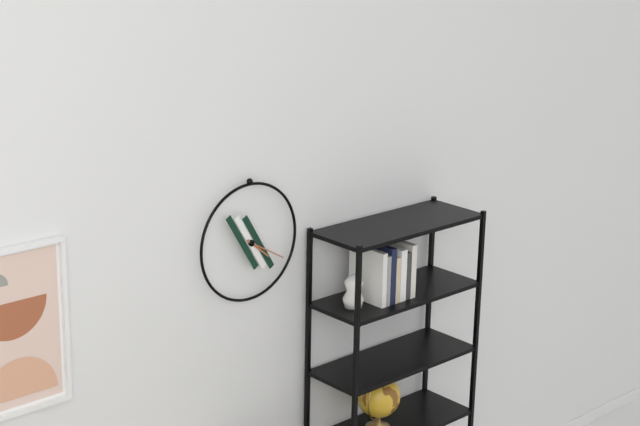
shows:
4,20
